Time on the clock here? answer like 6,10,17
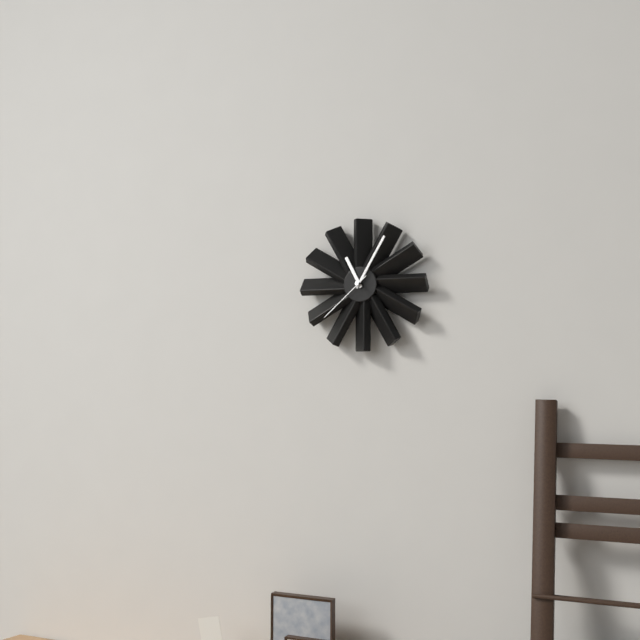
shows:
11,05,38
